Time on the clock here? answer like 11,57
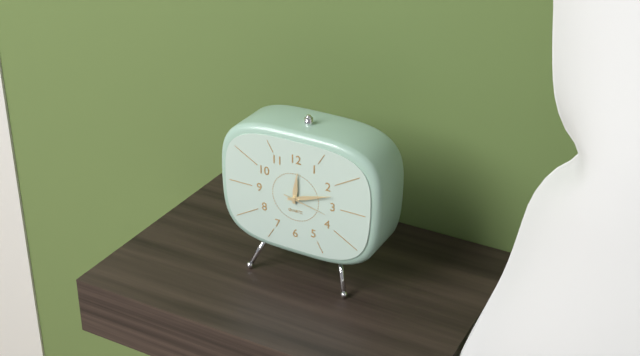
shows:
12,12
